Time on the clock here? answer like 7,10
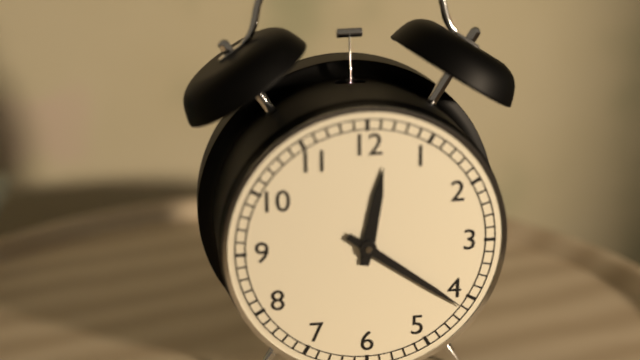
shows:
12,21
